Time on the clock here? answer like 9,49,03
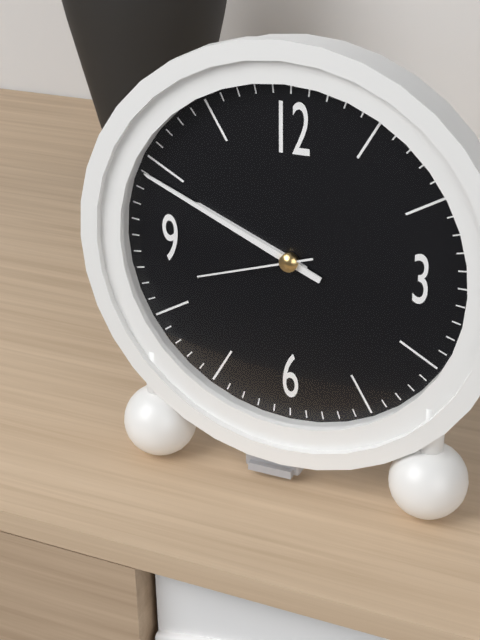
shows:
9,49,42
